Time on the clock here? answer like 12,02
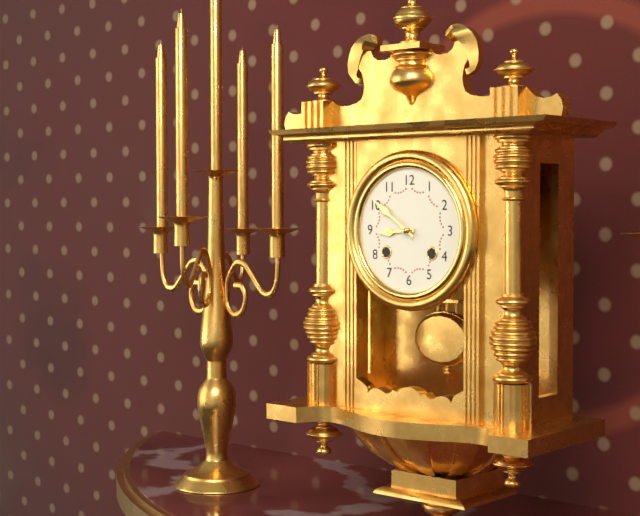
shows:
8,51
